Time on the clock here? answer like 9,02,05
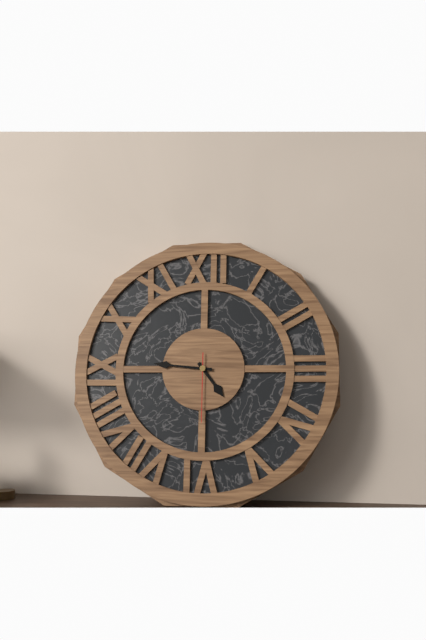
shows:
4,46,30
